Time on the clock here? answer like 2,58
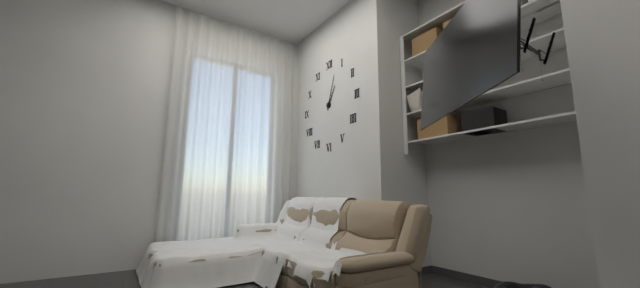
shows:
1,03
